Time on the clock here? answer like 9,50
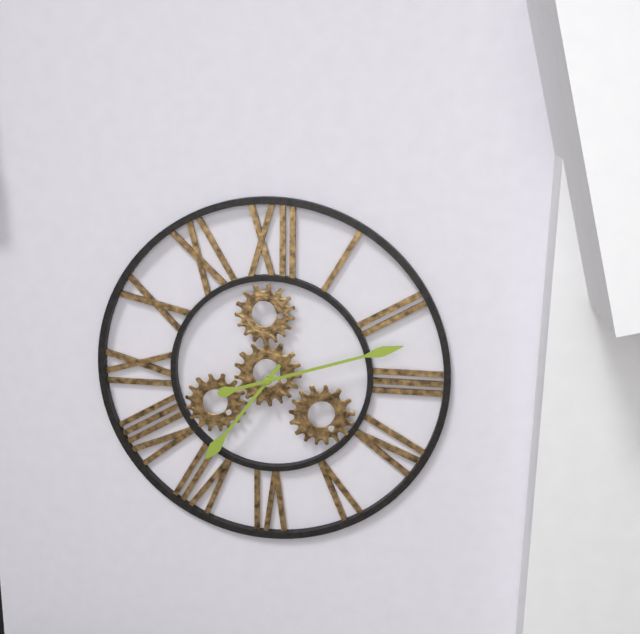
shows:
7,12
